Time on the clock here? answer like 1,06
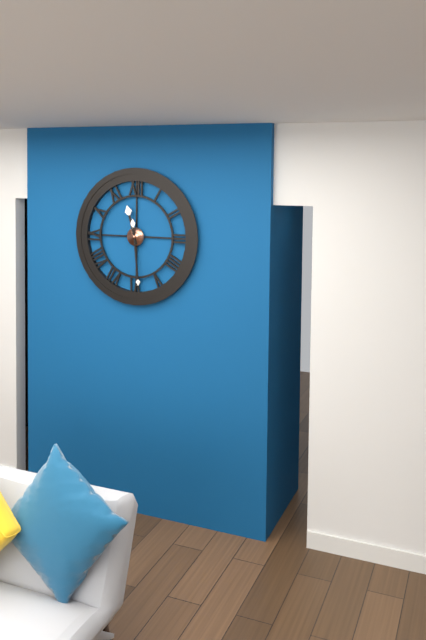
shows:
11,29
